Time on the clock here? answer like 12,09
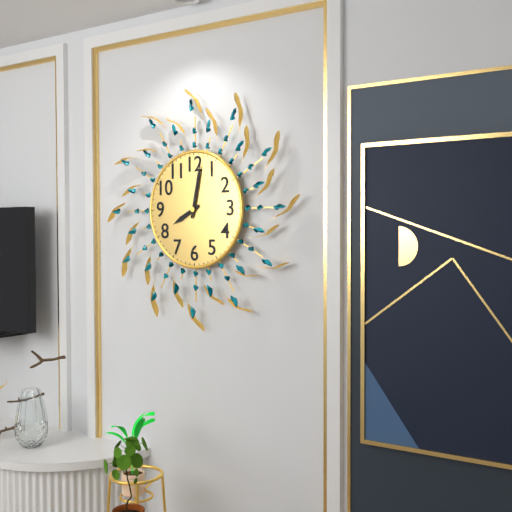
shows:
8,02
